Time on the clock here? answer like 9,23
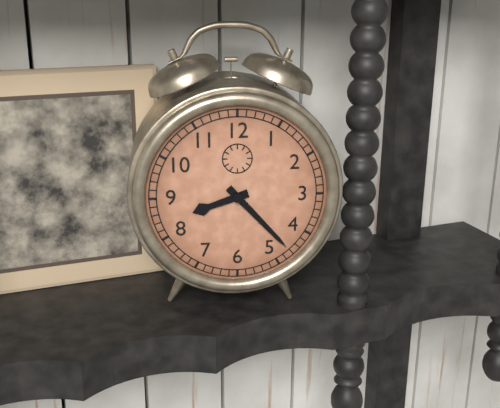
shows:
8,23
